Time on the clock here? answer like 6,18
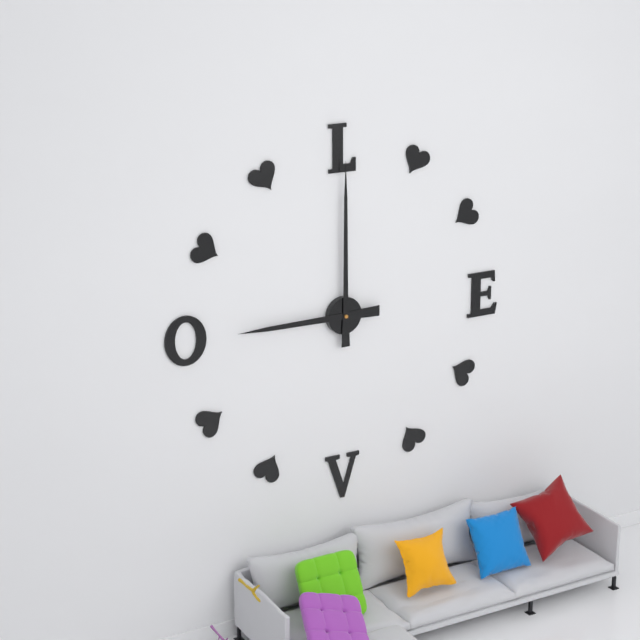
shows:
9,00
